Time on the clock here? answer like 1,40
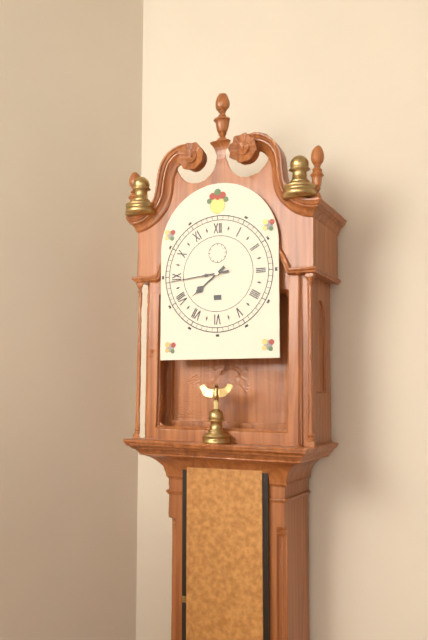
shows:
7,44
